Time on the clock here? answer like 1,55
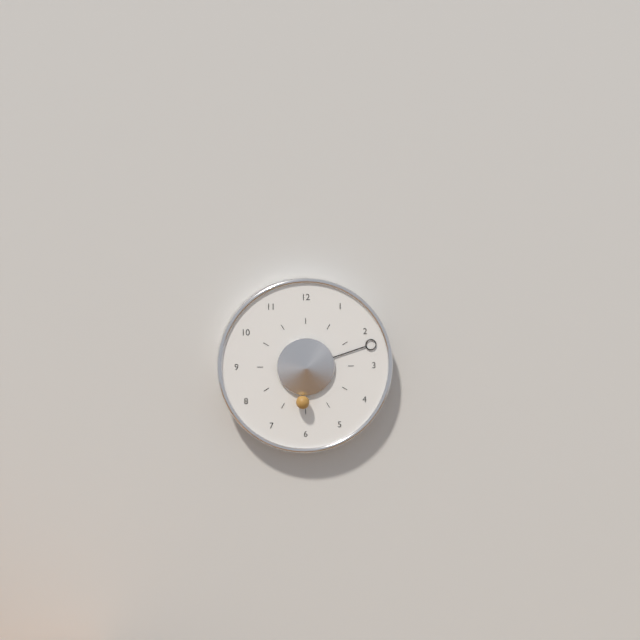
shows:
6,12
